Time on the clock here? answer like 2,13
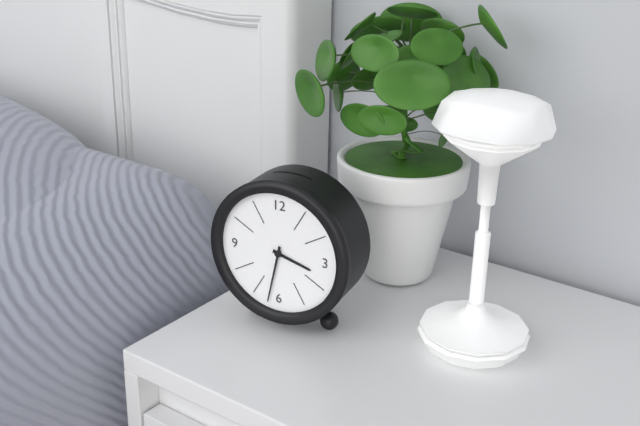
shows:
3,32
